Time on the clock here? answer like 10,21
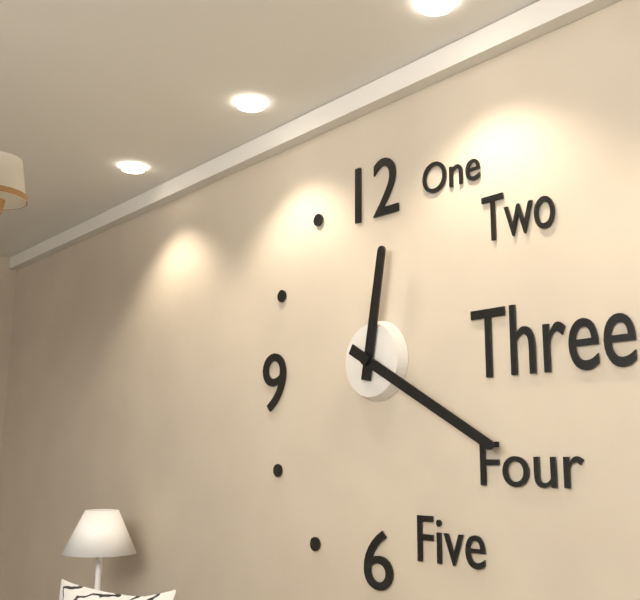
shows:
12,20
